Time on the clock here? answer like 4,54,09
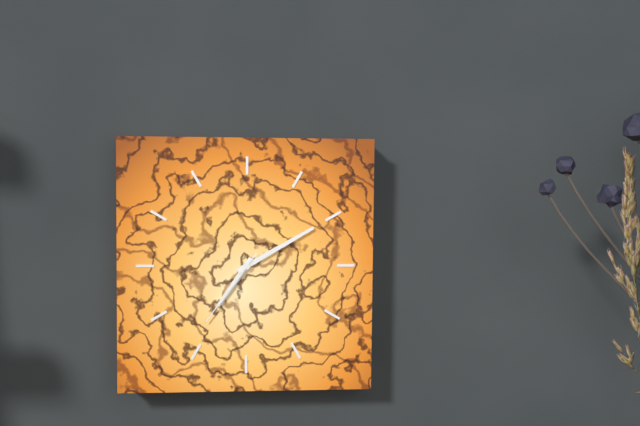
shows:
7,10,36
